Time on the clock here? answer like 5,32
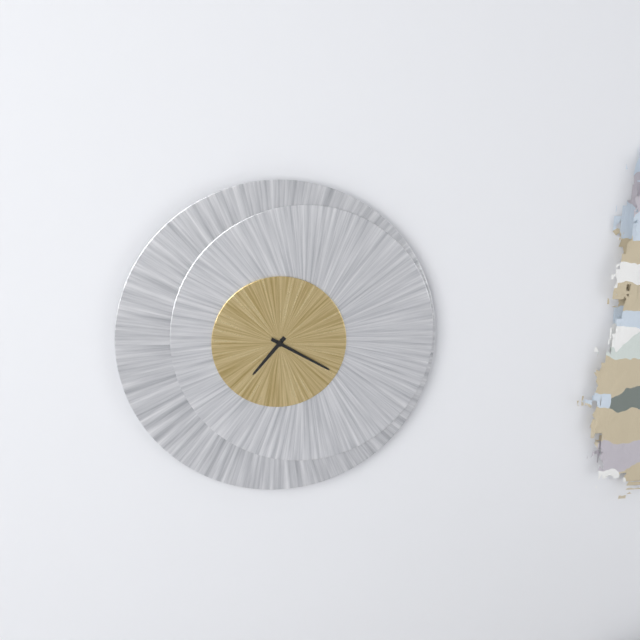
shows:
7,20
